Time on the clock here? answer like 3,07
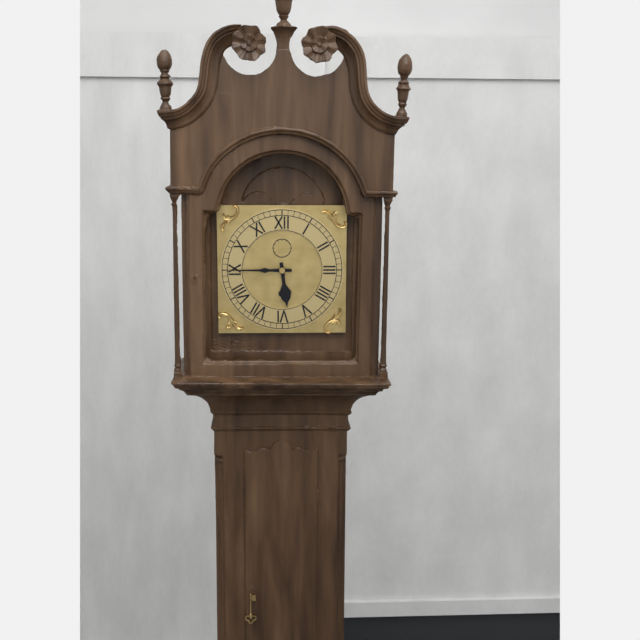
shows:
5,45
